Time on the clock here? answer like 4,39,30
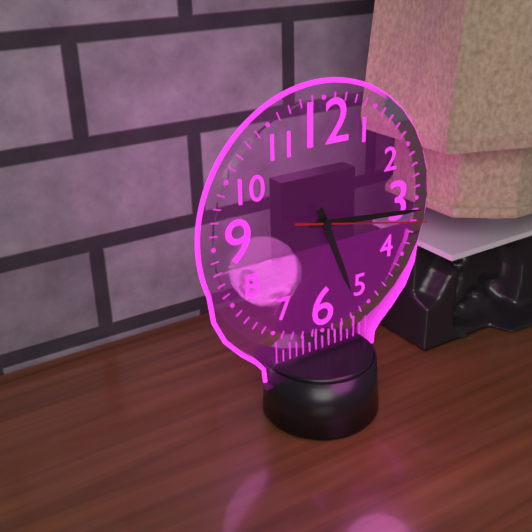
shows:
5,16,17
